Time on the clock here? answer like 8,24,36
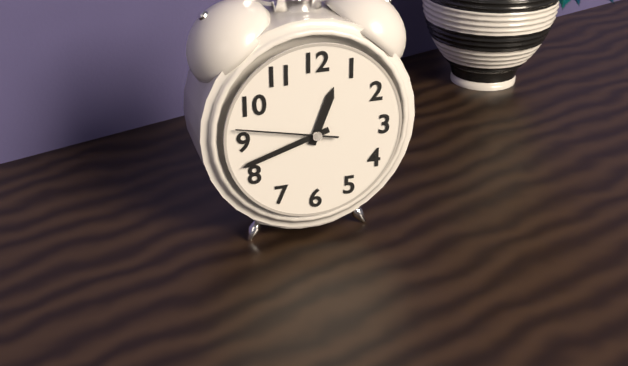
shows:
12,42,47
